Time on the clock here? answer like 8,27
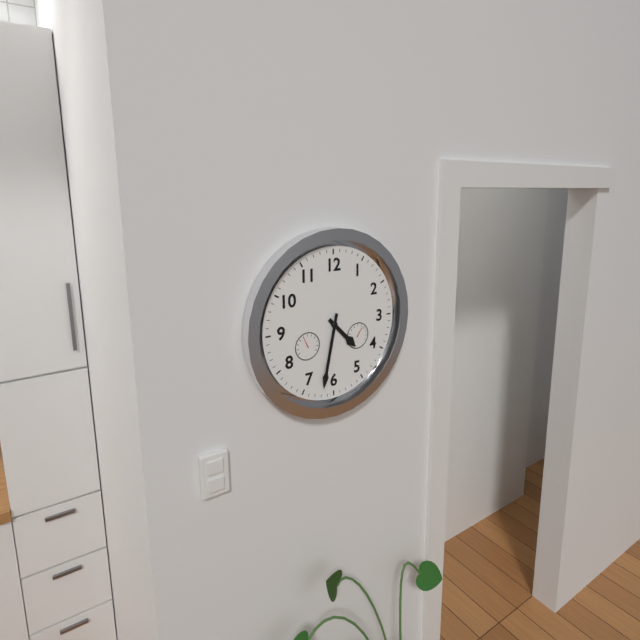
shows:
4,32
